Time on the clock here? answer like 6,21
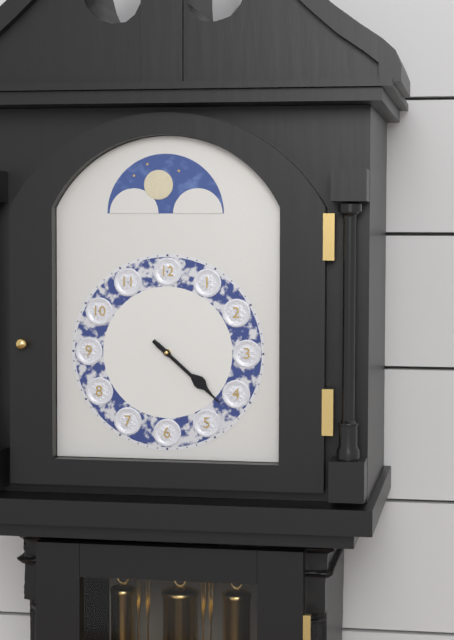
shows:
4,22
